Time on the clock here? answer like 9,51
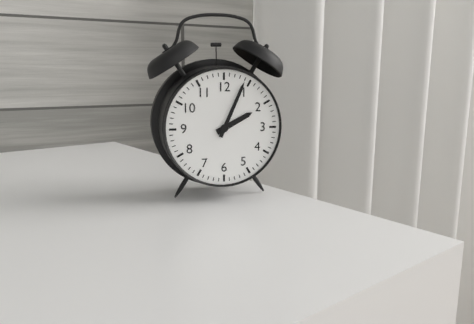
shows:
2,04
